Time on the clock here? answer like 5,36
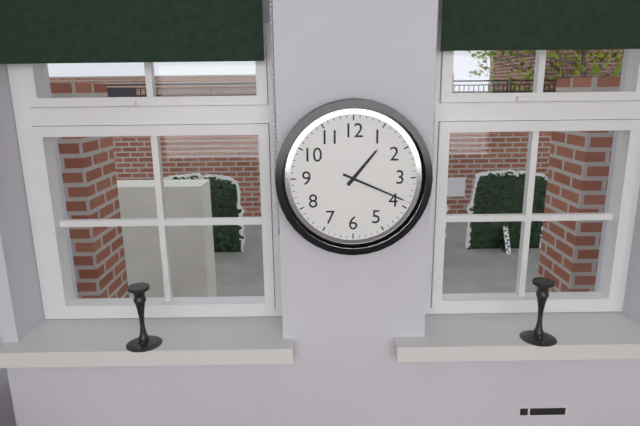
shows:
1,19
